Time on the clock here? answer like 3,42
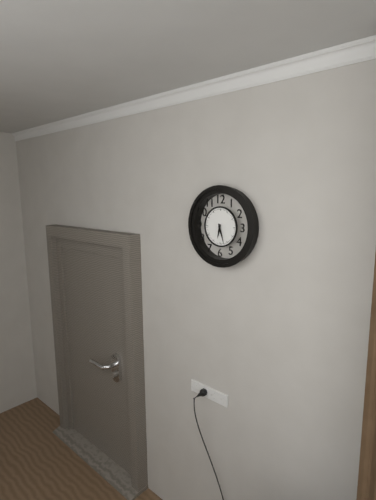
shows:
6,27
